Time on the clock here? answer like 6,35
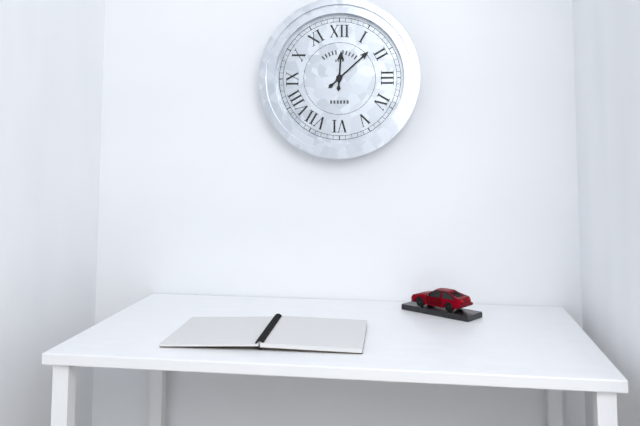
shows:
12,08
